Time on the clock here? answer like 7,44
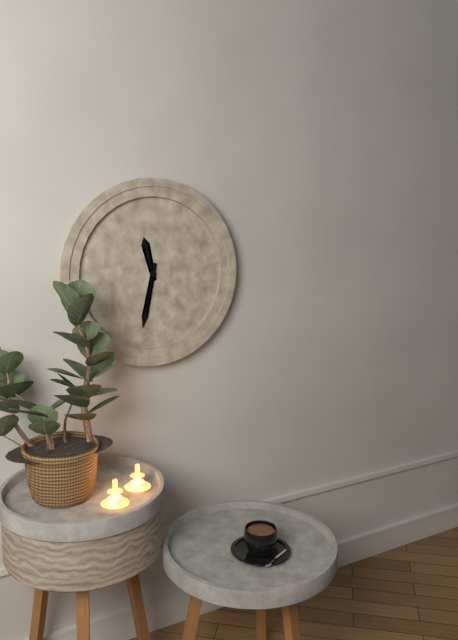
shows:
11,32
